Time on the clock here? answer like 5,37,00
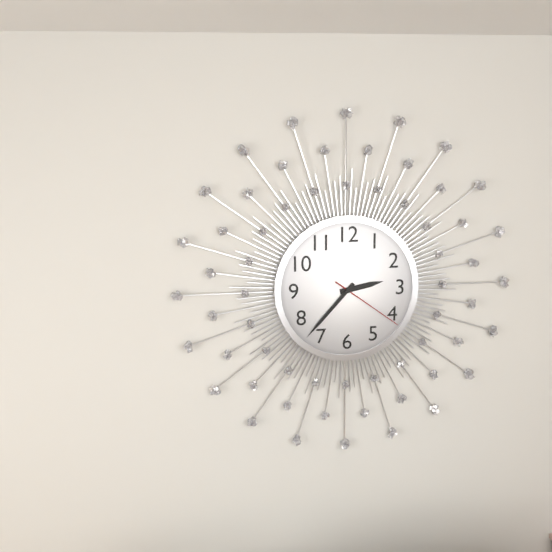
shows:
2,37,21
